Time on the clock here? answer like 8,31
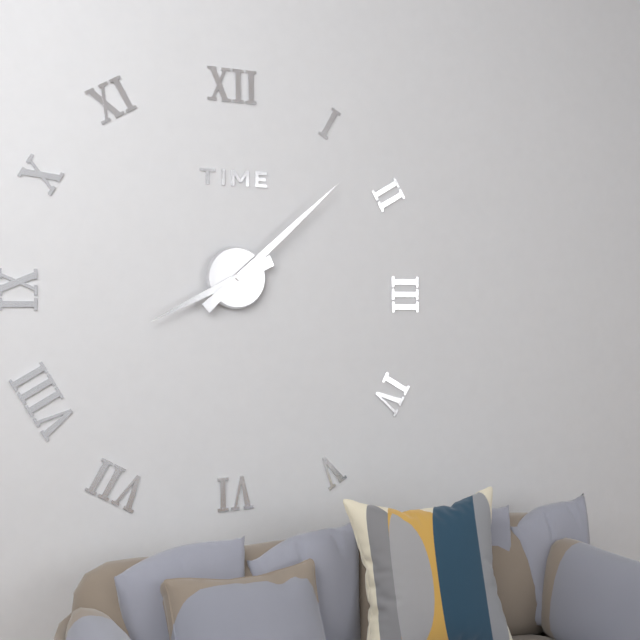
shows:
8,08
